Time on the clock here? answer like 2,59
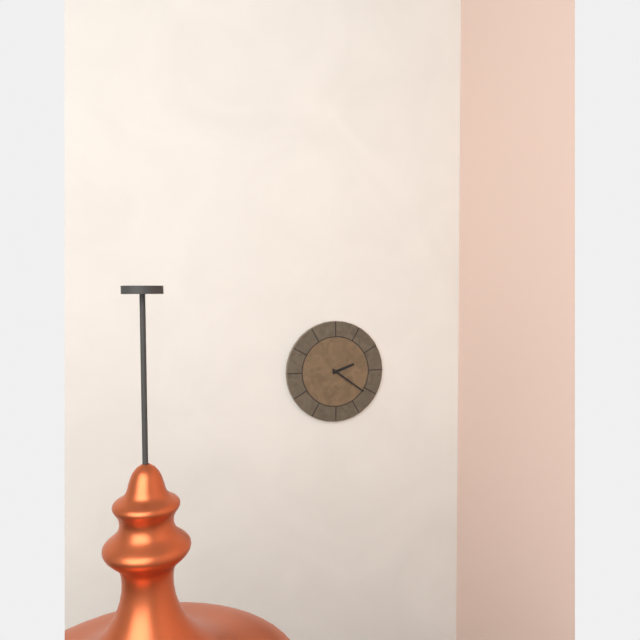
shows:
2,21
